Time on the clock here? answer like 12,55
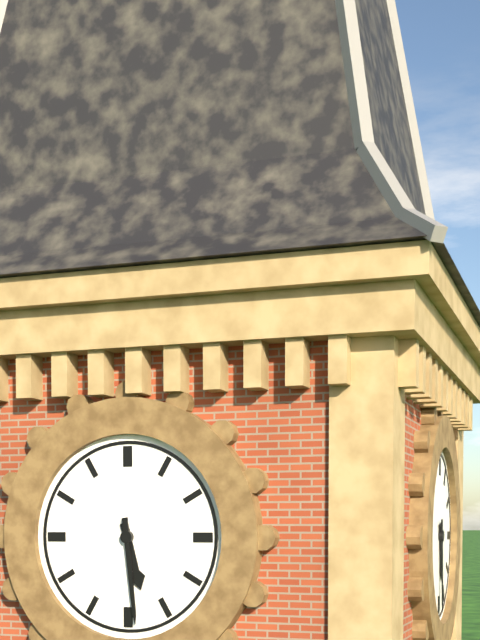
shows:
5,29
